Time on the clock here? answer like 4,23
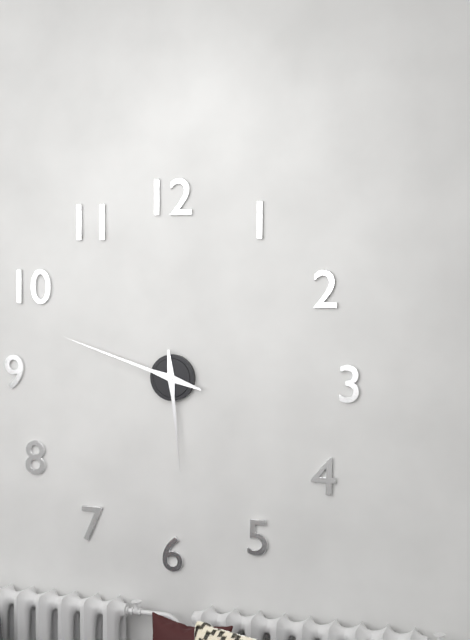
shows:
5,48
